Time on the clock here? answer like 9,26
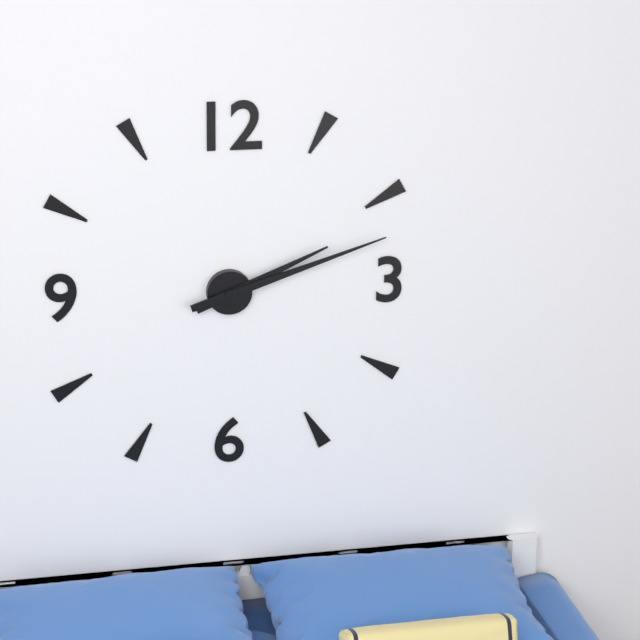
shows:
2,12
